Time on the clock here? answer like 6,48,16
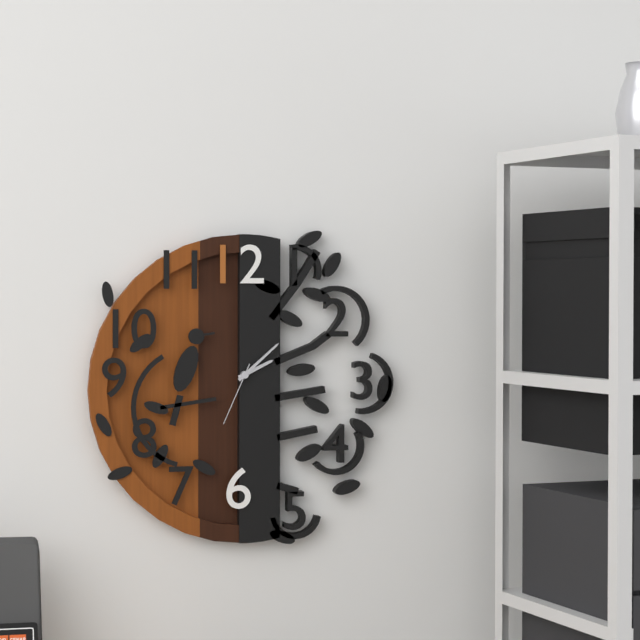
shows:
2,08,34
